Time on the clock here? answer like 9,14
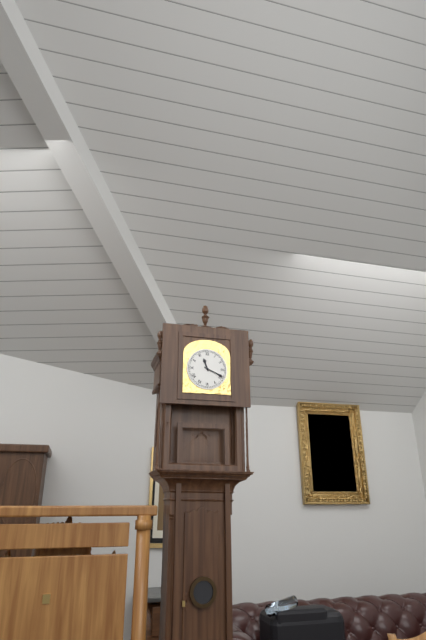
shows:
11,19
